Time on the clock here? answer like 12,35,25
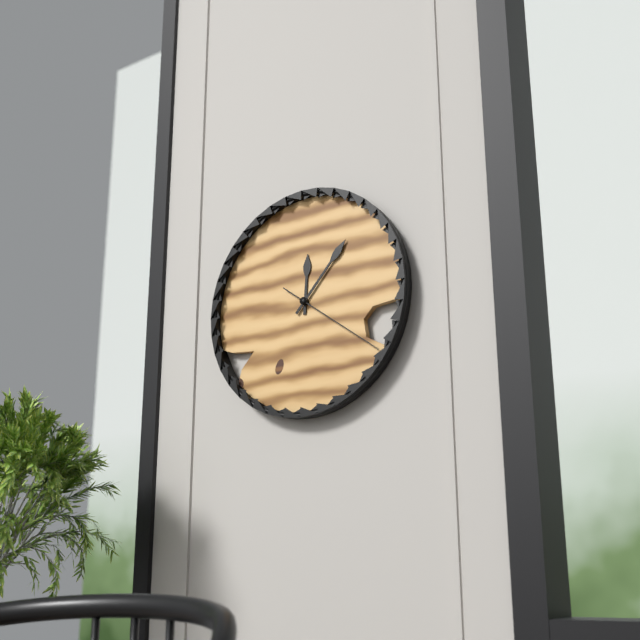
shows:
12,07,21
